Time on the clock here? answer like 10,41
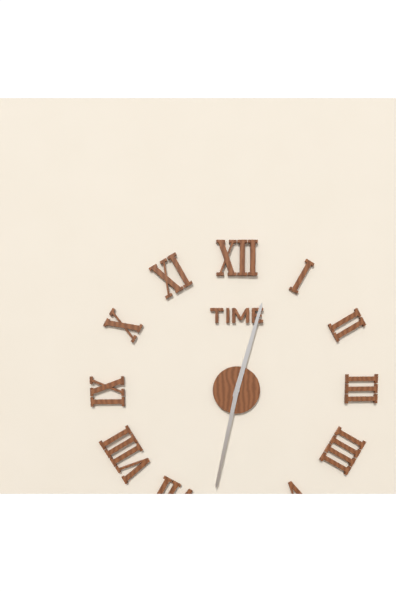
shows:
12,32
